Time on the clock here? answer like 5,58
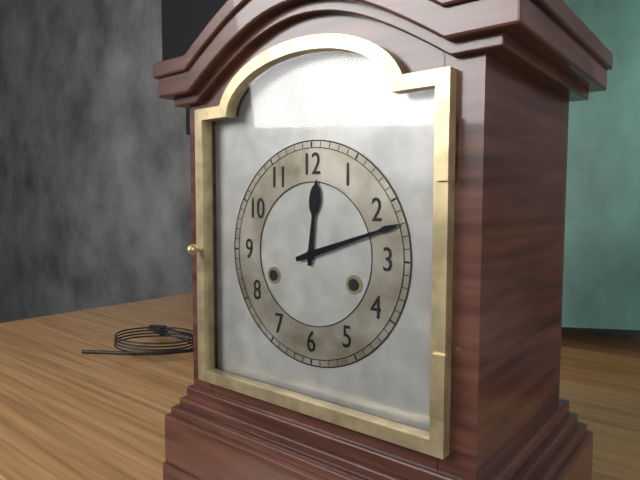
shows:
12,12
